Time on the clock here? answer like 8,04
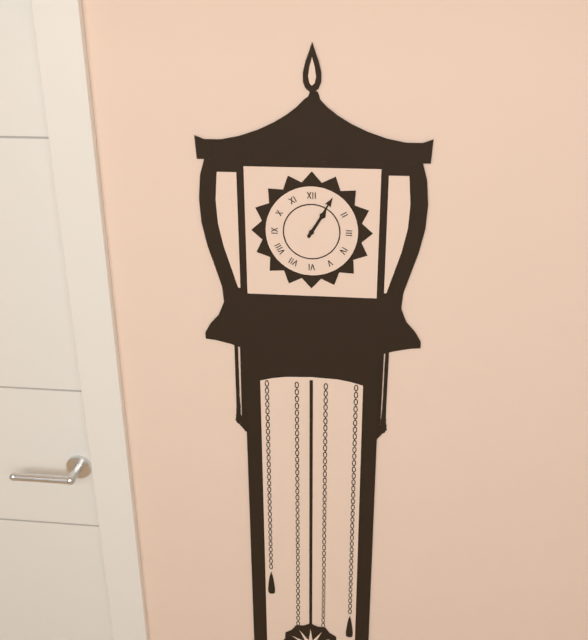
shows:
1,05
